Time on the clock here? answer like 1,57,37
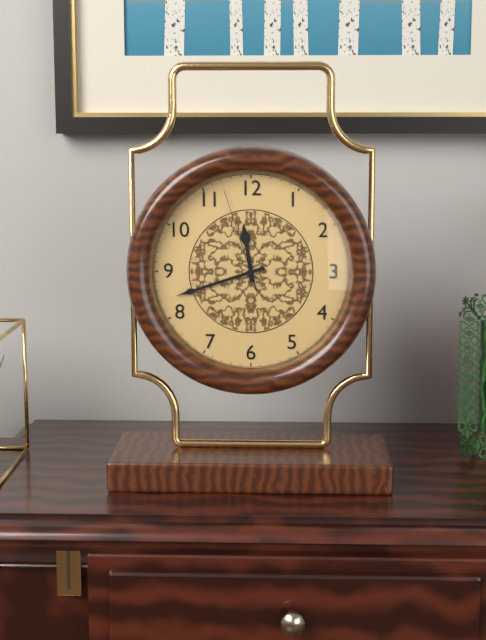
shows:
11,42,57
